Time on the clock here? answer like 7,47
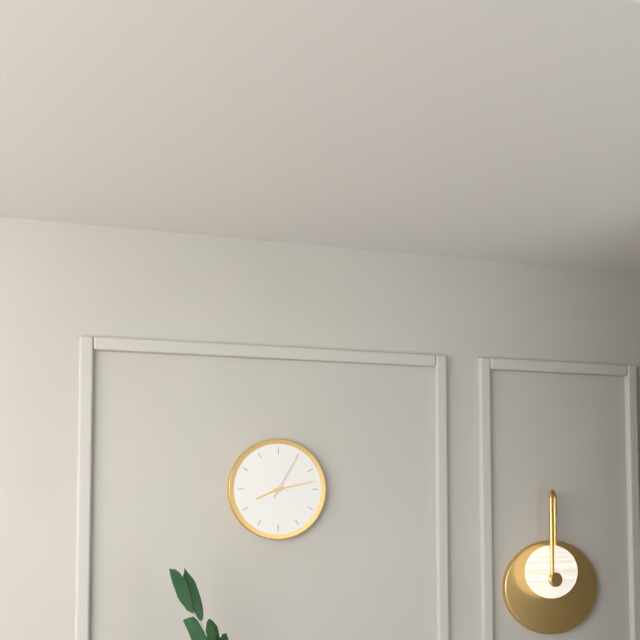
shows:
8,13
